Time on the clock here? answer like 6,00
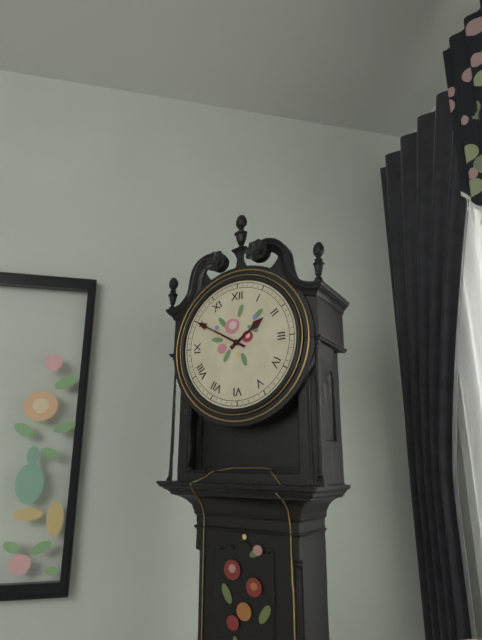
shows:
1,50
